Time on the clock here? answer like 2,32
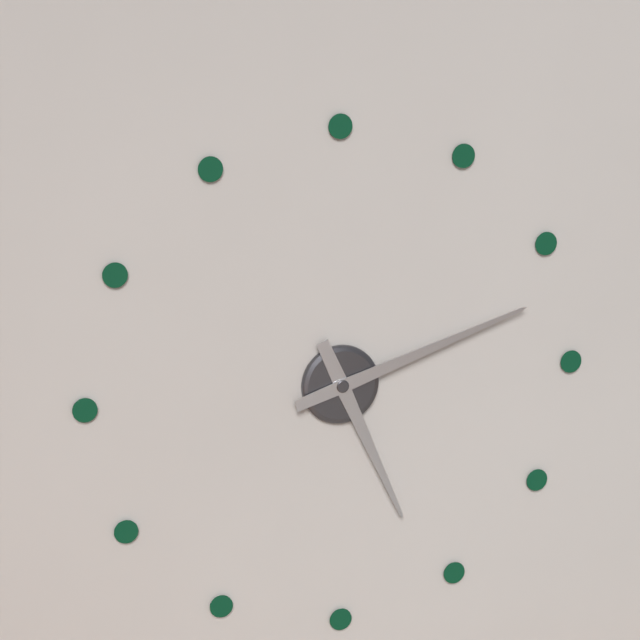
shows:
5,12
